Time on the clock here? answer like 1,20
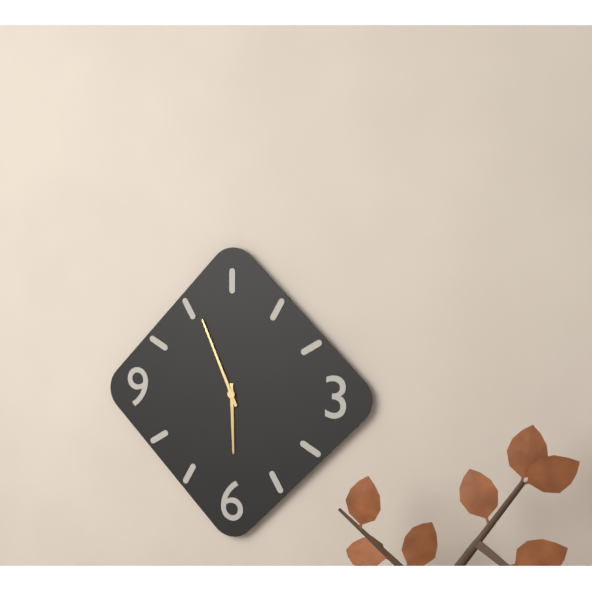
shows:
5,56
